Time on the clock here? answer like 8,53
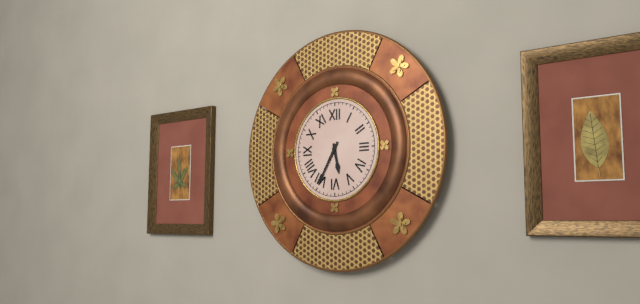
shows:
5,35
